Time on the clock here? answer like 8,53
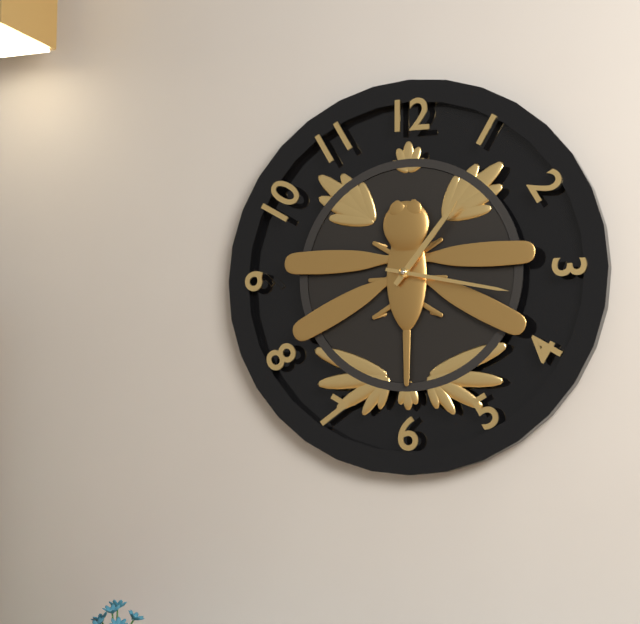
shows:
1,17
